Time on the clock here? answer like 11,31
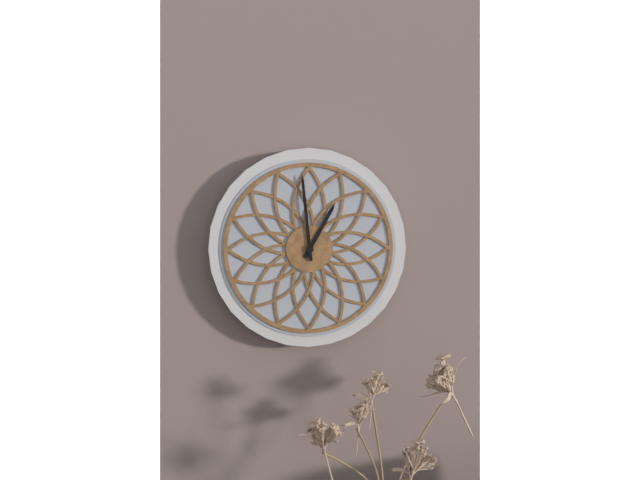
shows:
12,59
